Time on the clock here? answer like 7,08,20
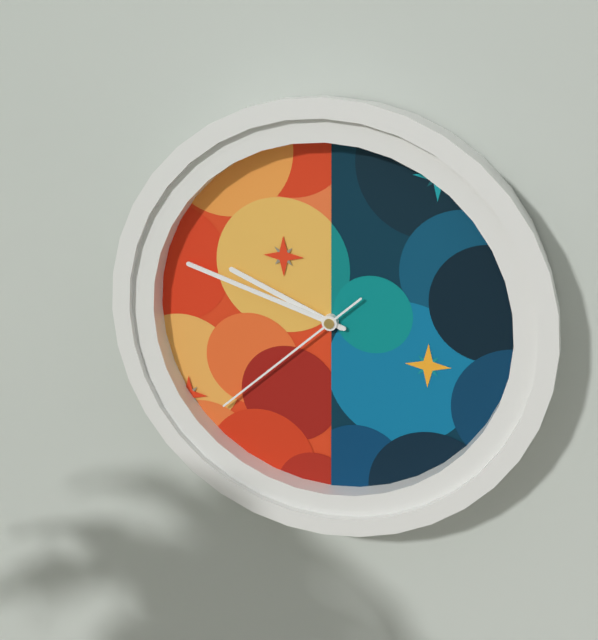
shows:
9,48,38
